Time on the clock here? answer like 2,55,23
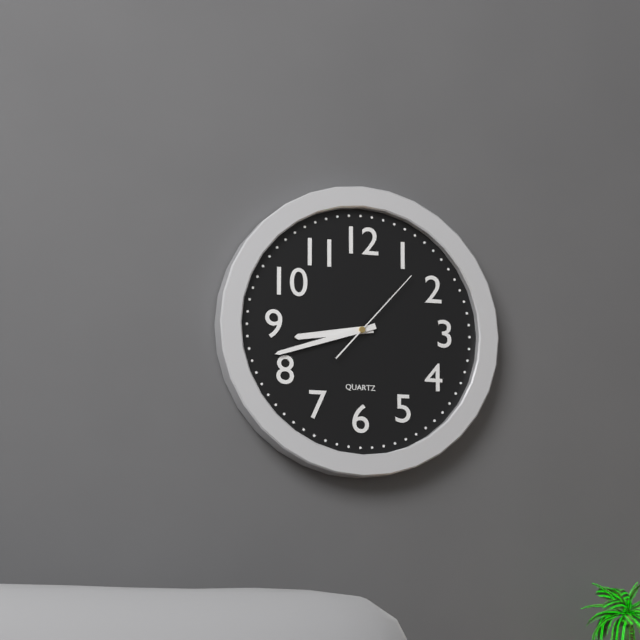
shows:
8,42,07
